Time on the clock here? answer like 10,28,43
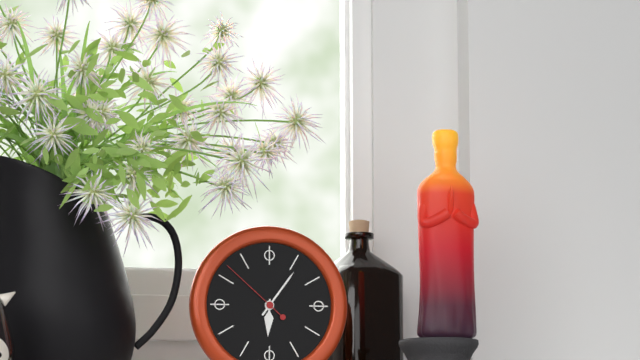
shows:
6,06,52
